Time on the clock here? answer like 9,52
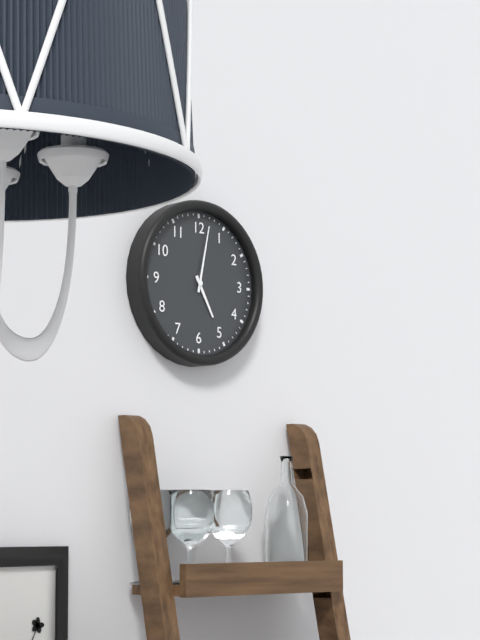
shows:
5,02
